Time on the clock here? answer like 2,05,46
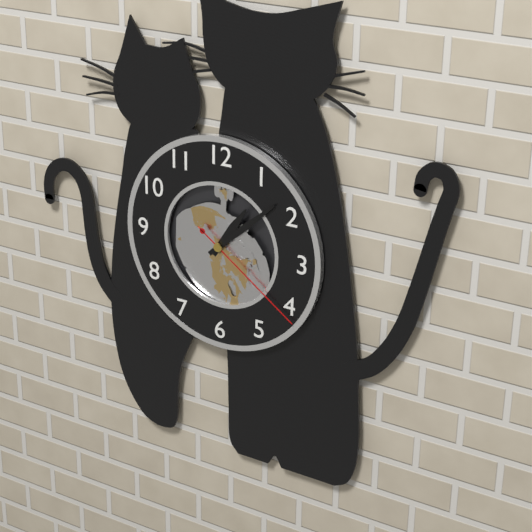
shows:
1,08,21
